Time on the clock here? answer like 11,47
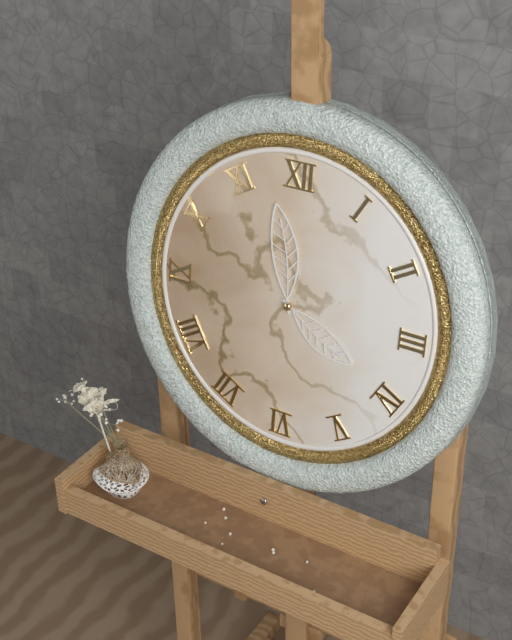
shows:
3,58
